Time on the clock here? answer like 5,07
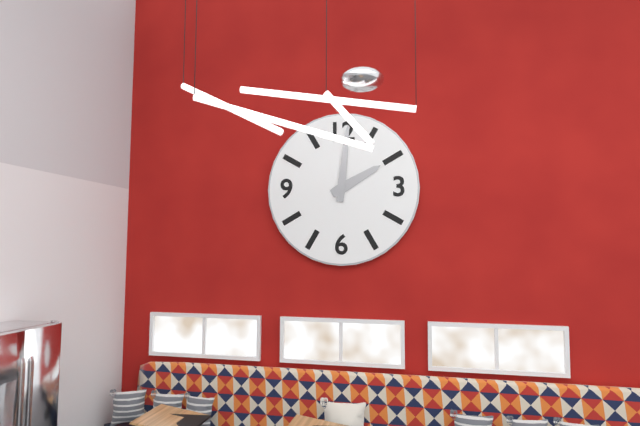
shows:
2,01
